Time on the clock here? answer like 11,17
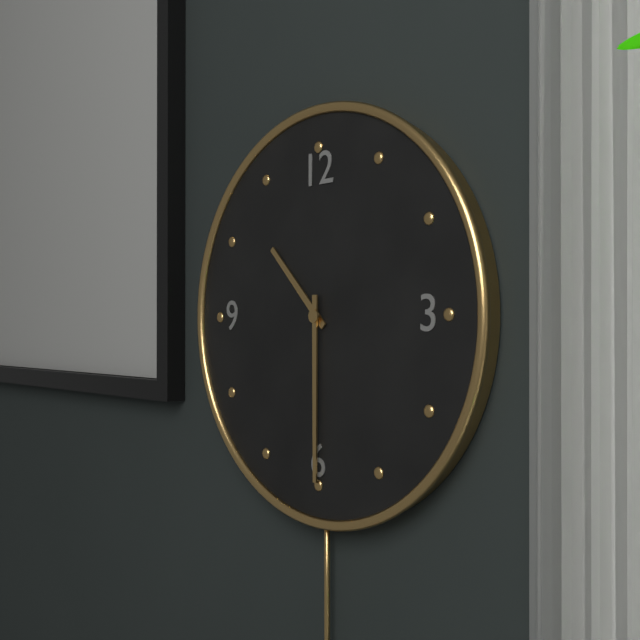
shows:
10,30
